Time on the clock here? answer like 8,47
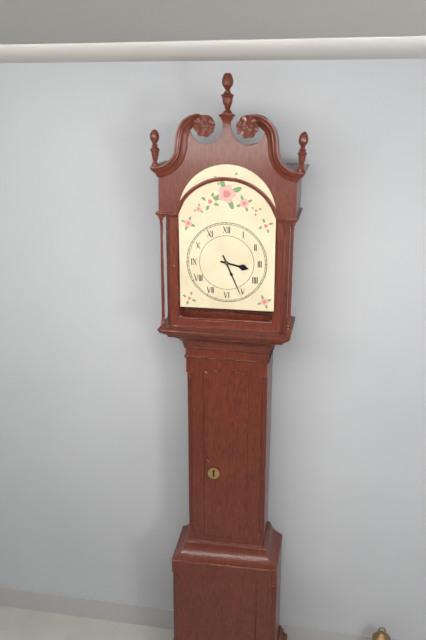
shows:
3,26
